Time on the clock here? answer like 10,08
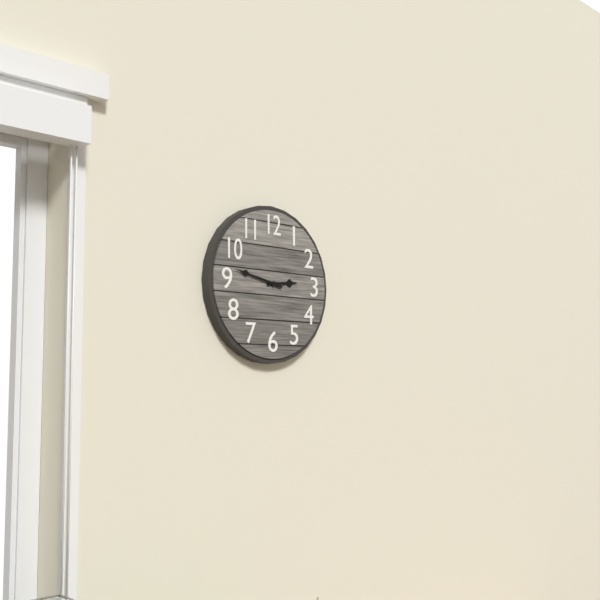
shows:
2,47
